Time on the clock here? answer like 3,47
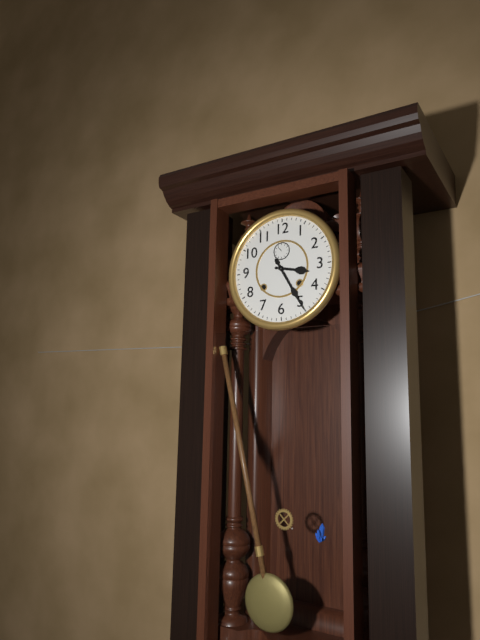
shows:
3,25
